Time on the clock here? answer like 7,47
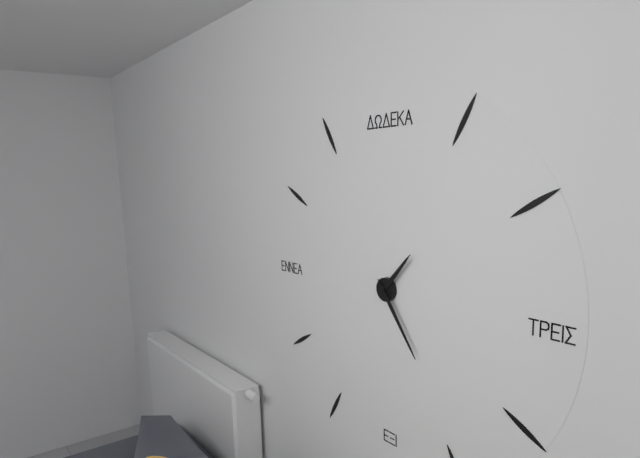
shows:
1,24
